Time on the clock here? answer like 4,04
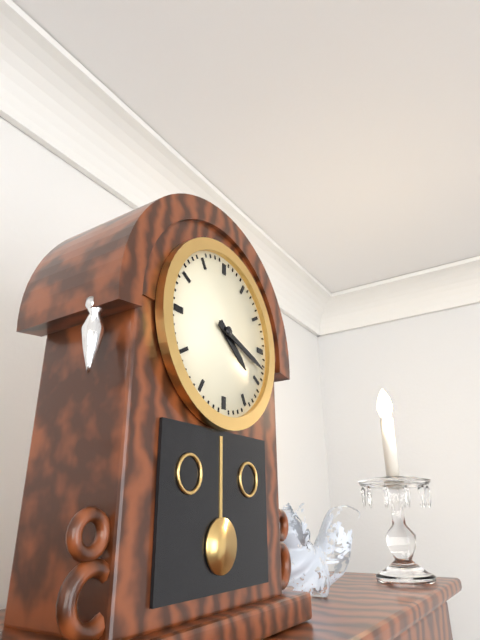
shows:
4,18
